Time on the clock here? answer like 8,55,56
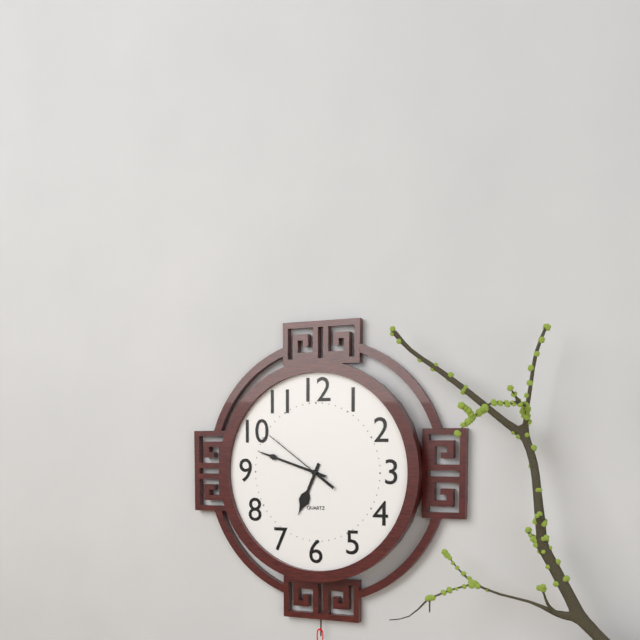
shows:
6,48,51
